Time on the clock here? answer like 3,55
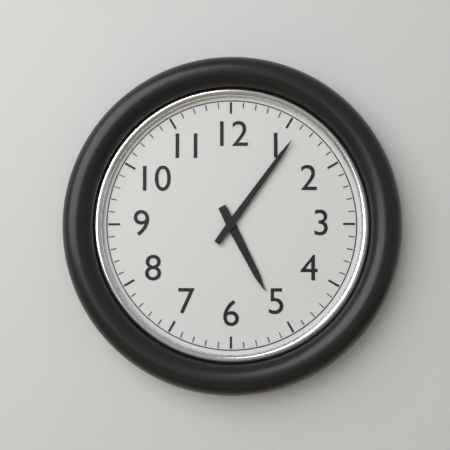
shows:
5,06
